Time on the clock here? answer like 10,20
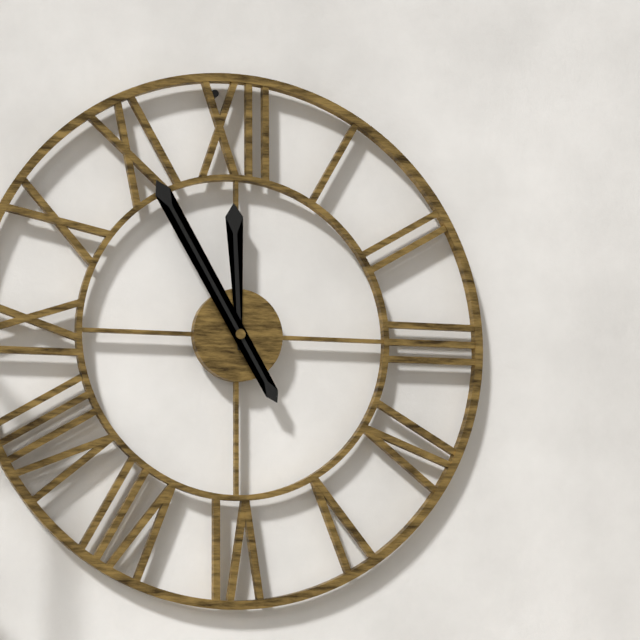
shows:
11,55
